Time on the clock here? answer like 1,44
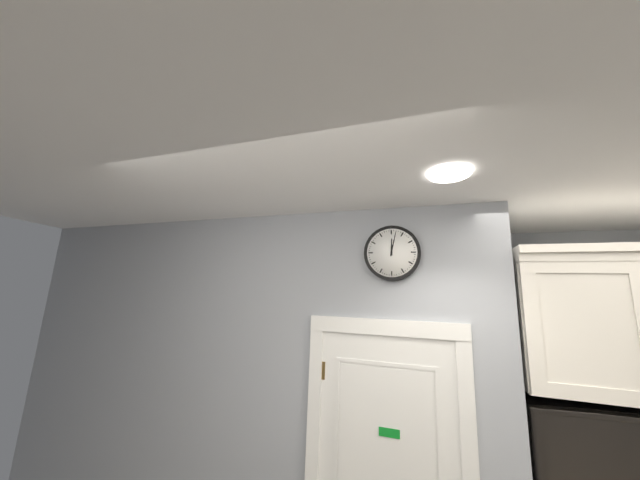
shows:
12,02
